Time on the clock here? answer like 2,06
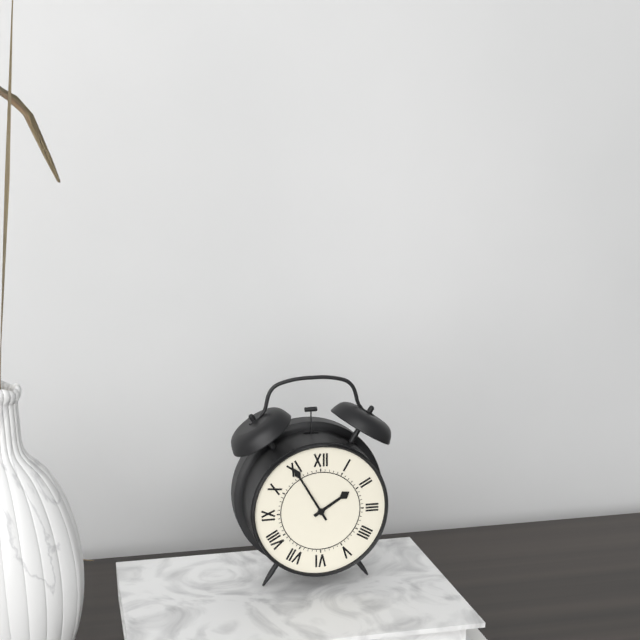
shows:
1,55
